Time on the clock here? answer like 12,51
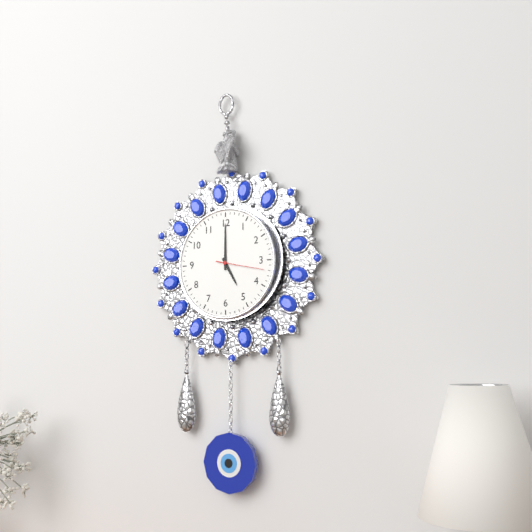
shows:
5,00
